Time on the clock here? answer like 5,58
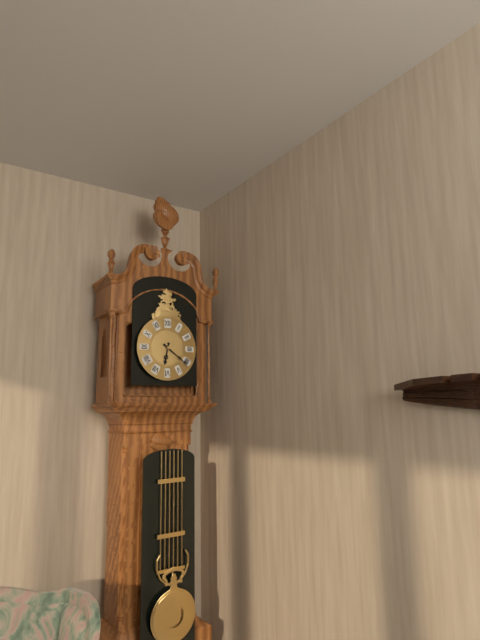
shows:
6,21
